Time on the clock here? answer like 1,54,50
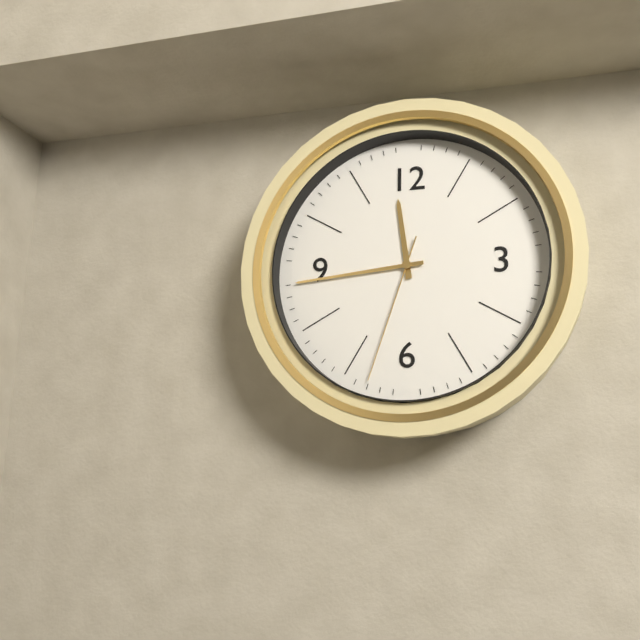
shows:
11,44,33
